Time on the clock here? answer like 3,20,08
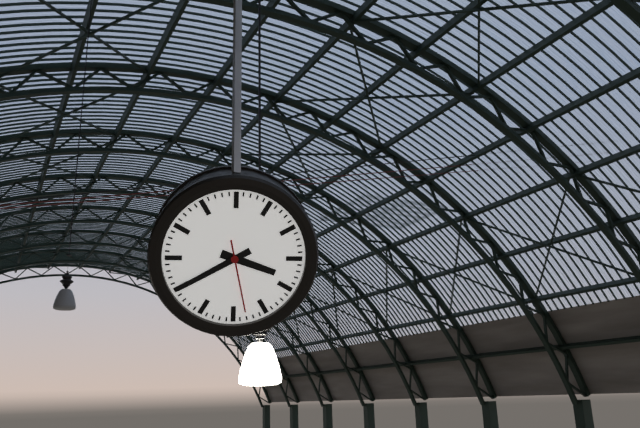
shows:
3,40,28
